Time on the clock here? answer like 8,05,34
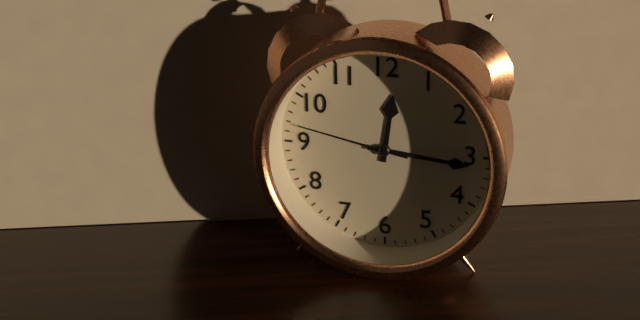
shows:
12,16,47
